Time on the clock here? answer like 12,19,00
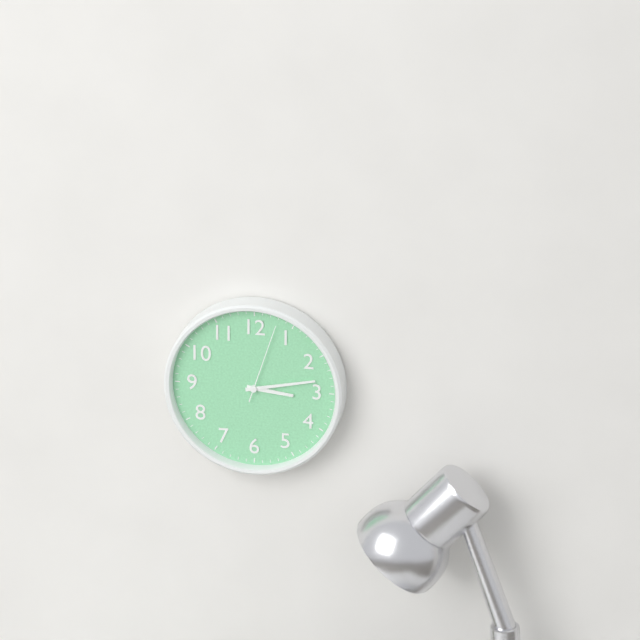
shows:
3,13,03
